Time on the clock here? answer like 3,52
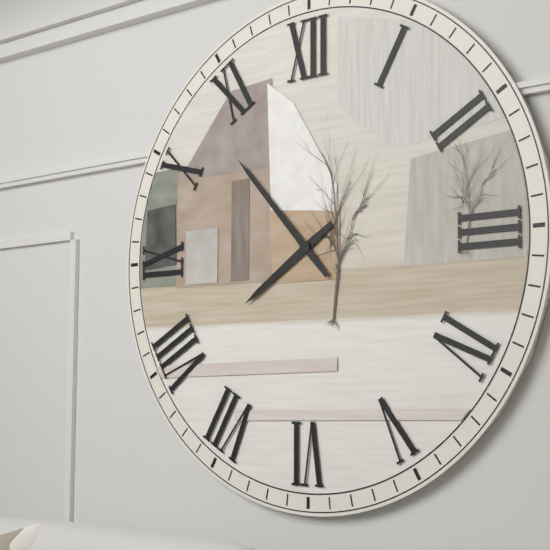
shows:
7,53
